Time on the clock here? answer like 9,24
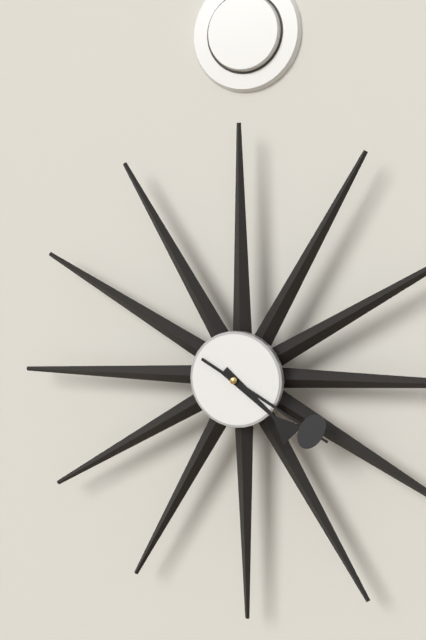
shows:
4,20
